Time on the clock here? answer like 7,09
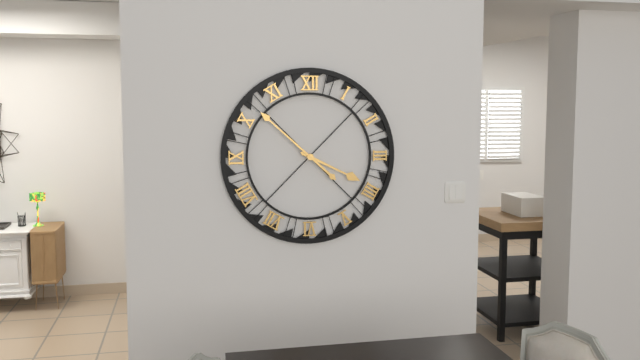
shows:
3,52
